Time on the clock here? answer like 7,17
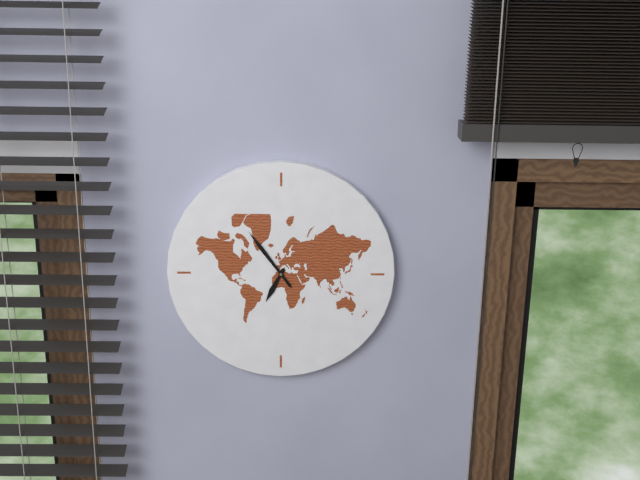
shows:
6,54
